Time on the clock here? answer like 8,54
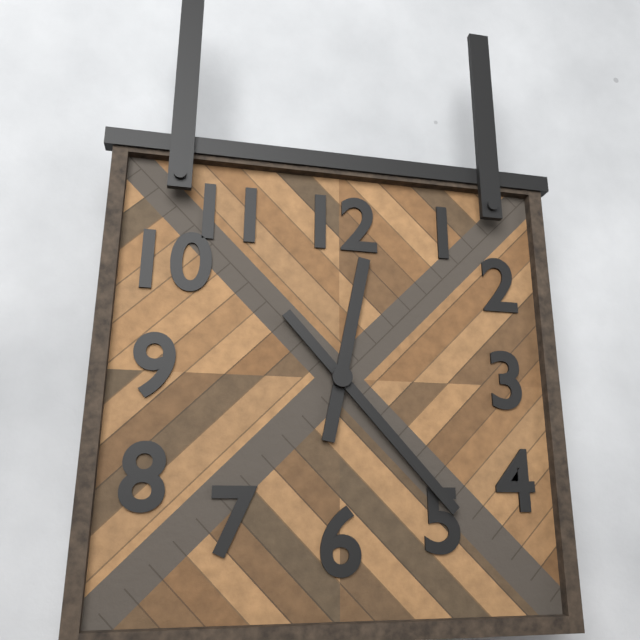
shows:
12,23
